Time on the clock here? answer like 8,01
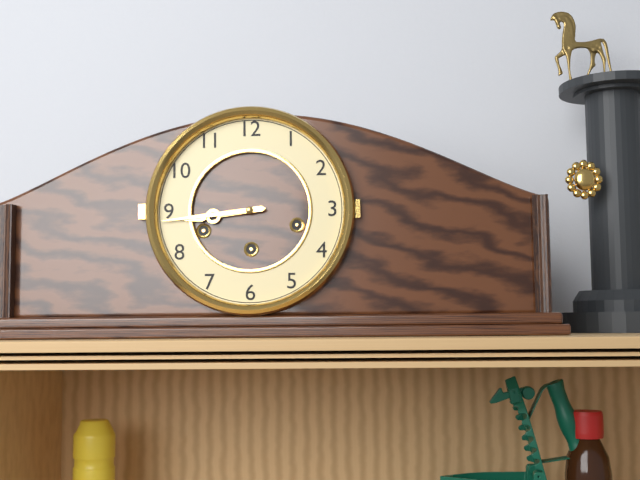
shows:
8,44
